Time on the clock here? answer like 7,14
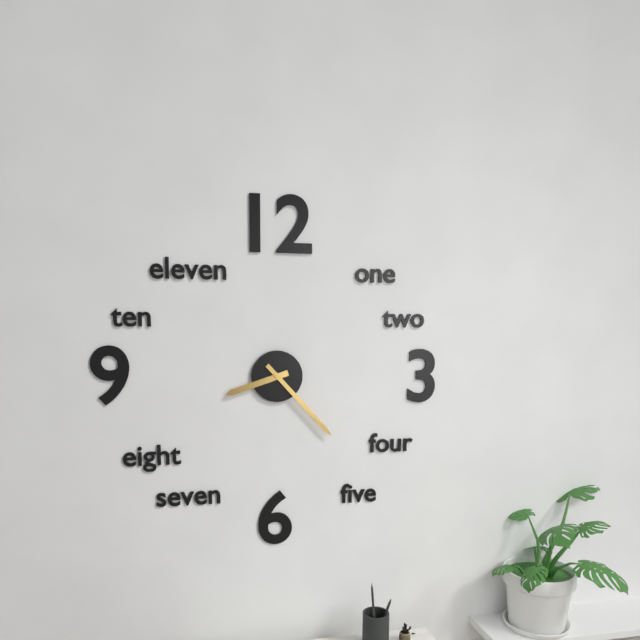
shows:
8,23
